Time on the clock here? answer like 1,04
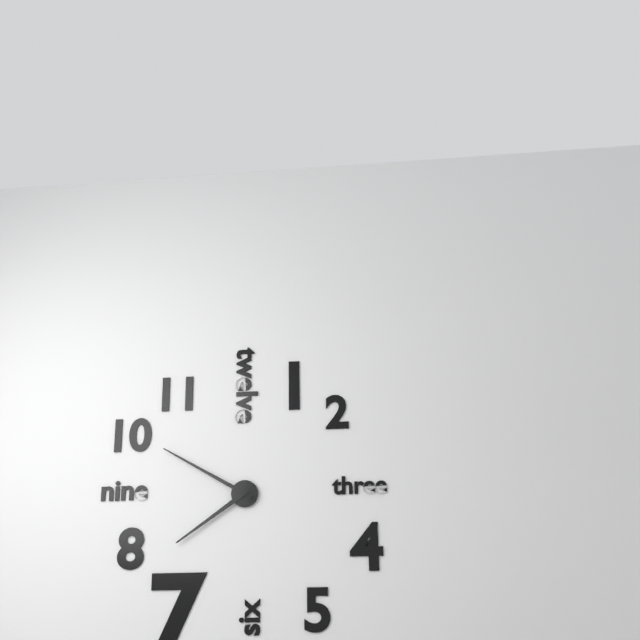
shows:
7,50
